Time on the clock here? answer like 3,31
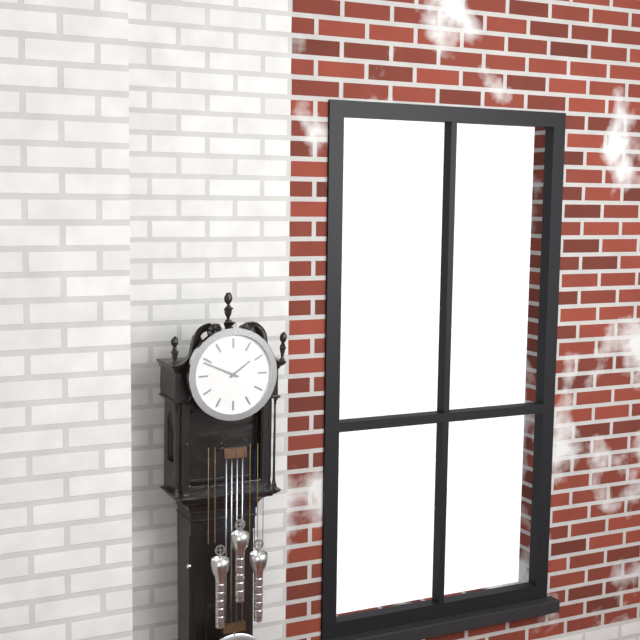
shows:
1,49
